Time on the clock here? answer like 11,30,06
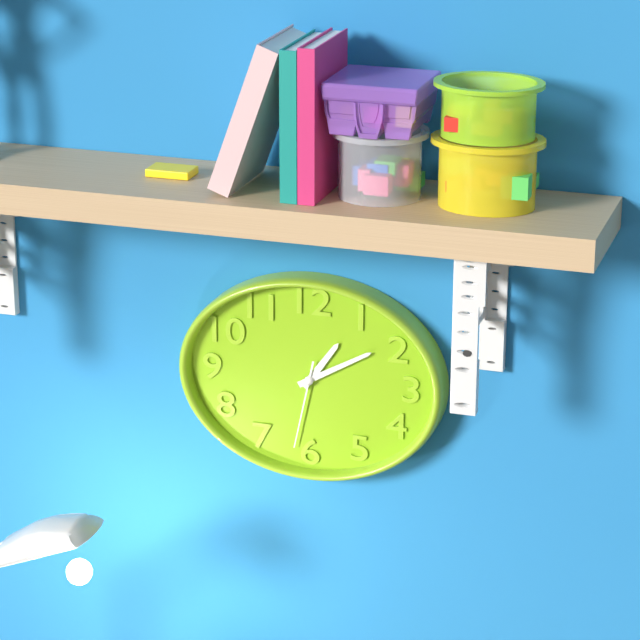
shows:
1,10,32
